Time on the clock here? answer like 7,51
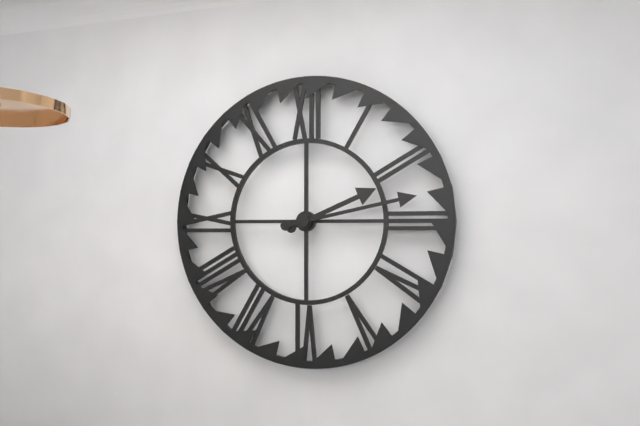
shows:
2,13
